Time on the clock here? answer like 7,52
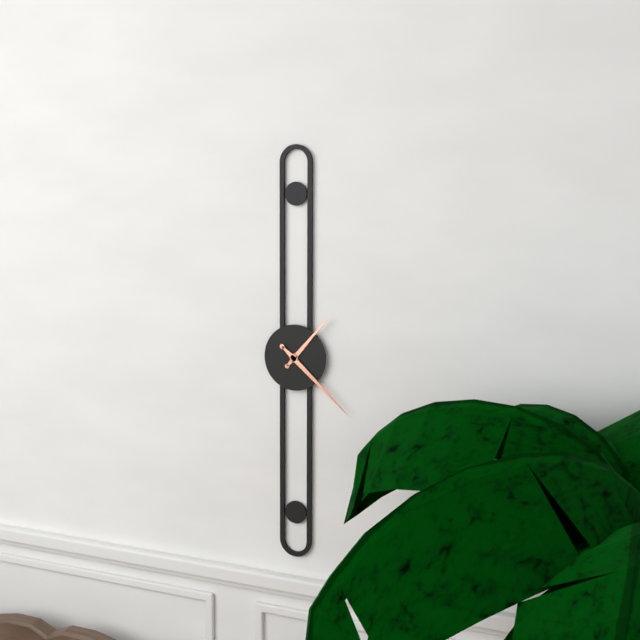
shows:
1,22
